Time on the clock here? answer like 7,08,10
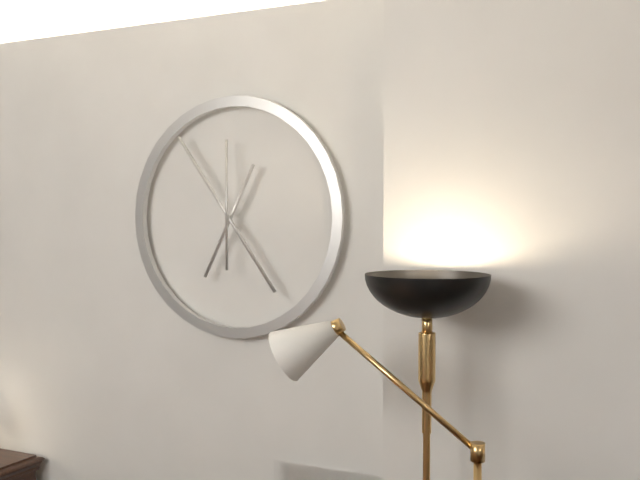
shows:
6,54,00
